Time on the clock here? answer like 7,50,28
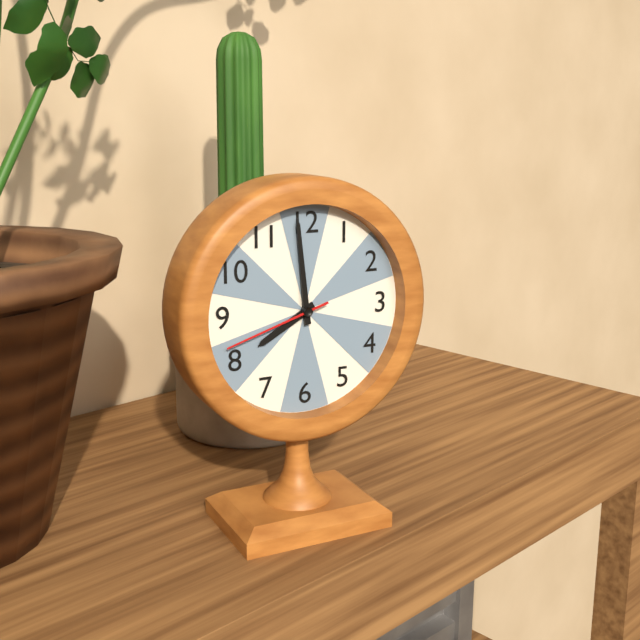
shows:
7,59,42
